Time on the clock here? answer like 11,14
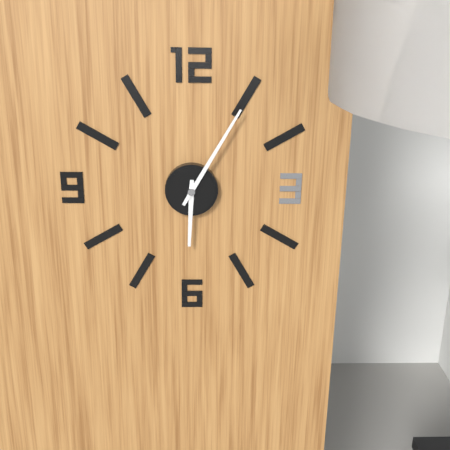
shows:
6,05
